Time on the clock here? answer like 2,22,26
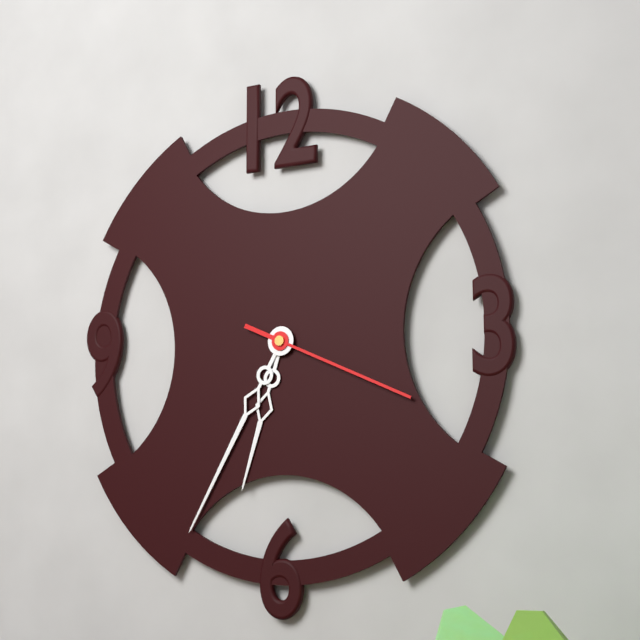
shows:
6,35,19
